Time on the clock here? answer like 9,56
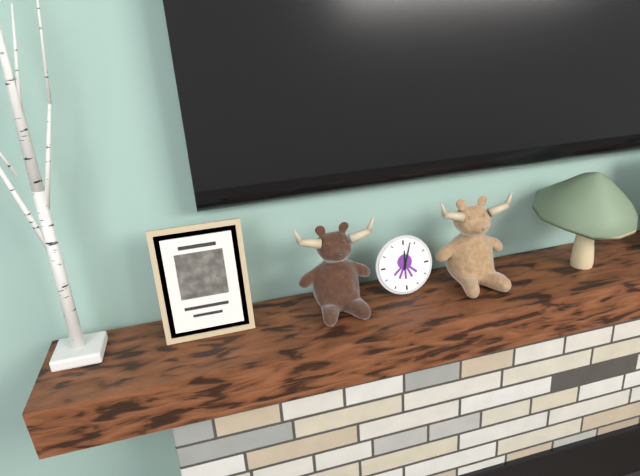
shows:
12,03
